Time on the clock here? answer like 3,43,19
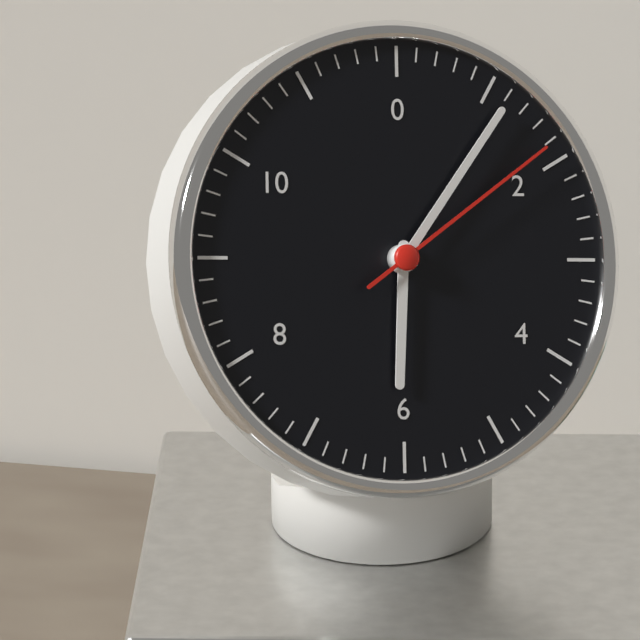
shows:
6,06,09
